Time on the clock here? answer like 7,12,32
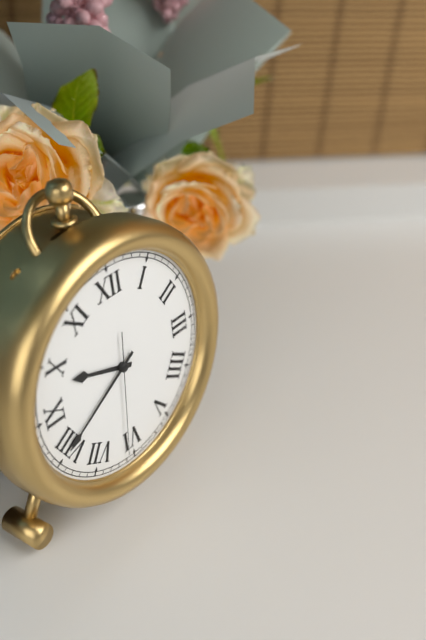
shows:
9,40,31
